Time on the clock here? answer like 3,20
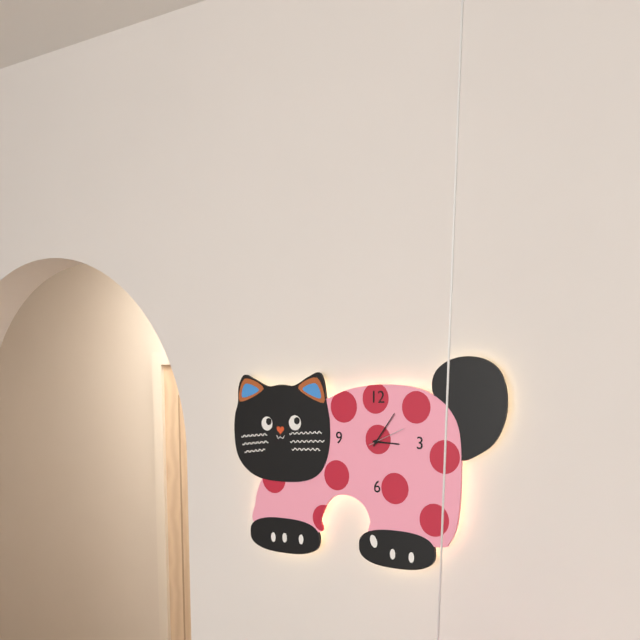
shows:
3,06
